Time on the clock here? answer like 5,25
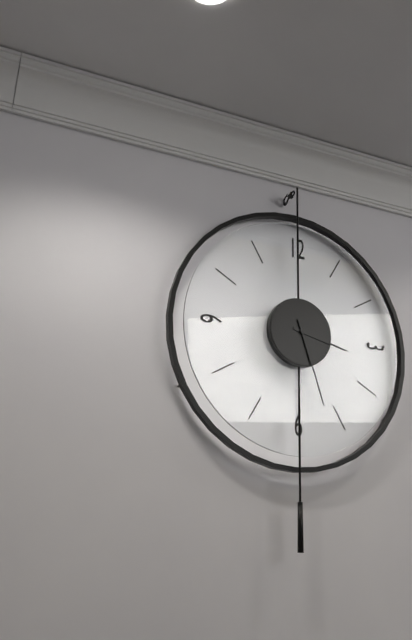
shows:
3,27
